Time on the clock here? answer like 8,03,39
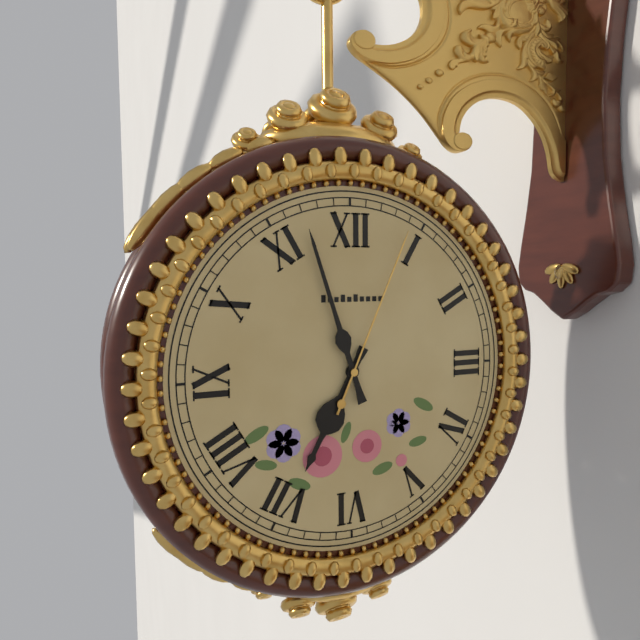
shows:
6,57,04
